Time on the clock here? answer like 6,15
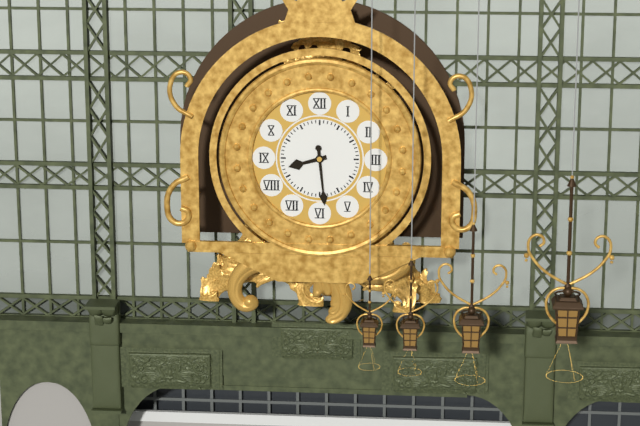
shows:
8,29
